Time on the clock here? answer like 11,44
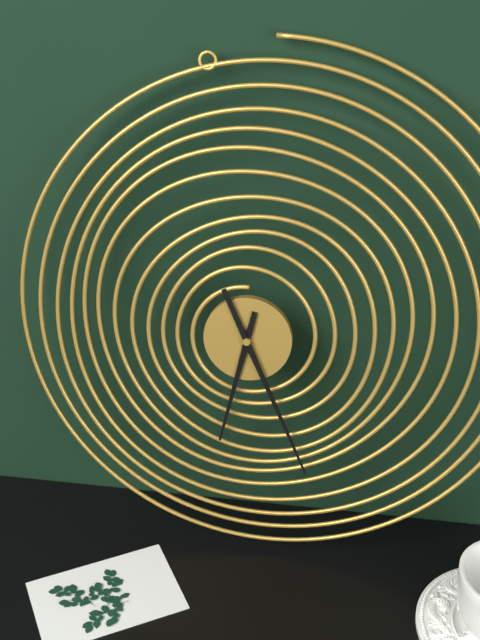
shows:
6,26
